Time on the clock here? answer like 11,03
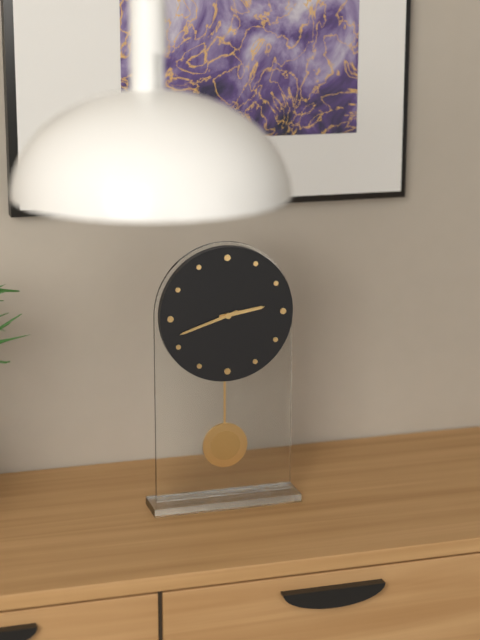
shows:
2,42
